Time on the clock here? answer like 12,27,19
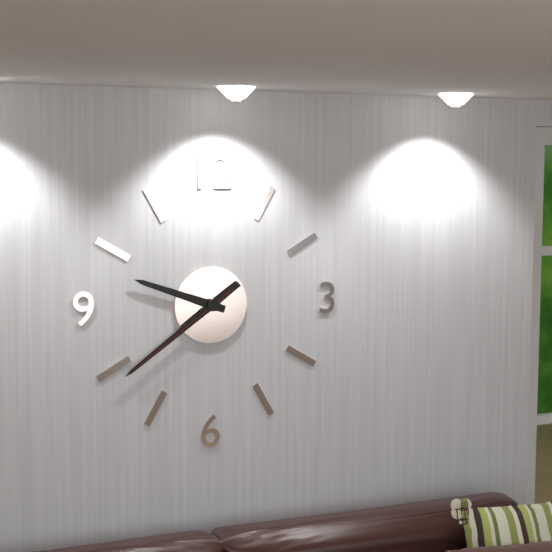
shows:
9,39,39
